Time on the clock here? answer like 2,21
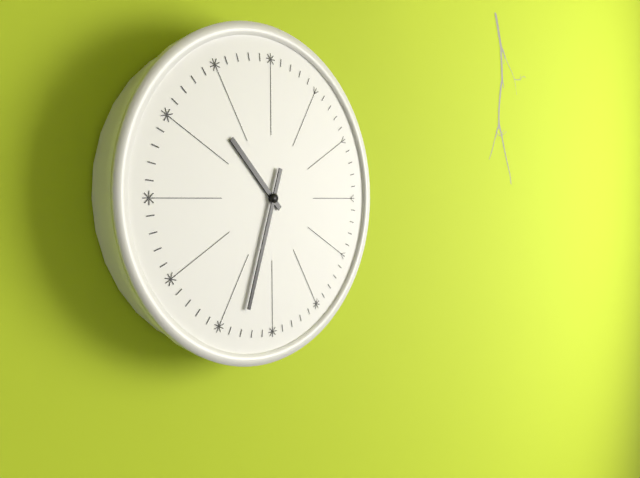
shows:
10,33
